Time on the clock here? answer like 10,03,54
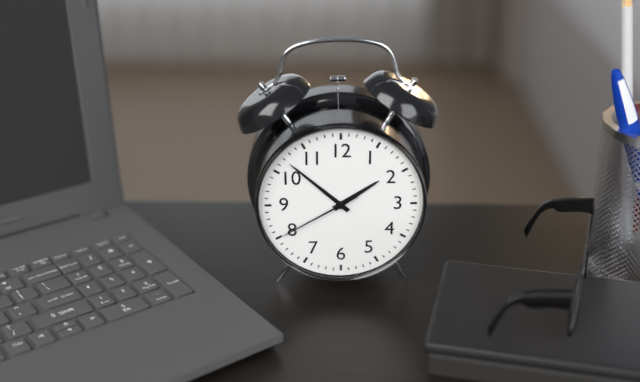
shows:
1,52,40
